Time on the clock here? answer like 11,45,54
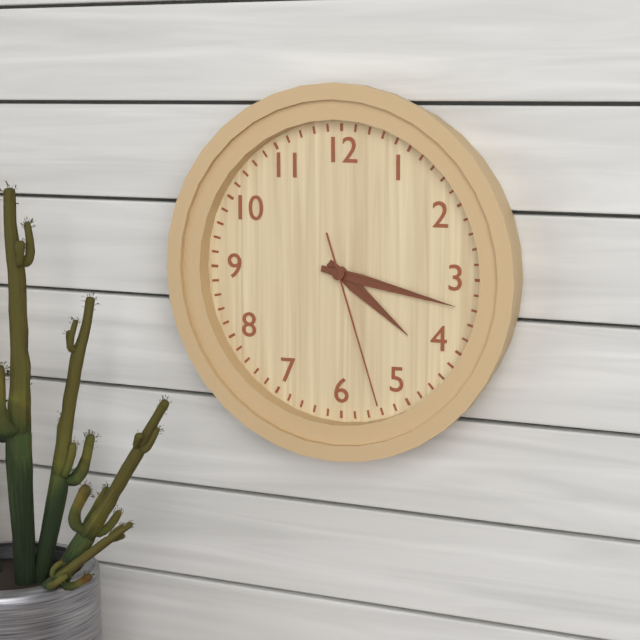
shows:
4,17,27
